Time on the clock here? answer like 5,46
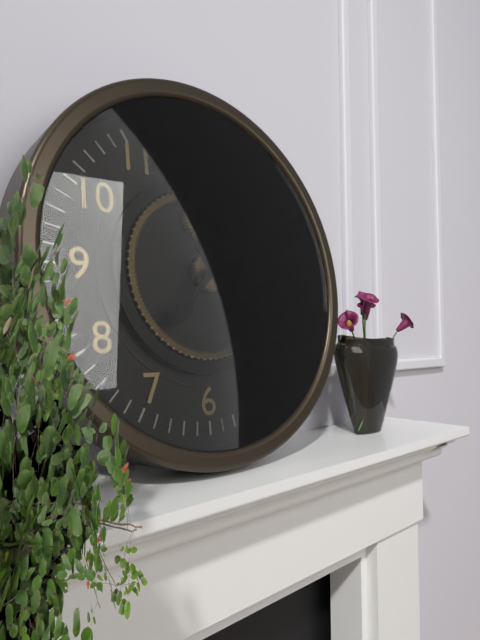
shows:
7,24
